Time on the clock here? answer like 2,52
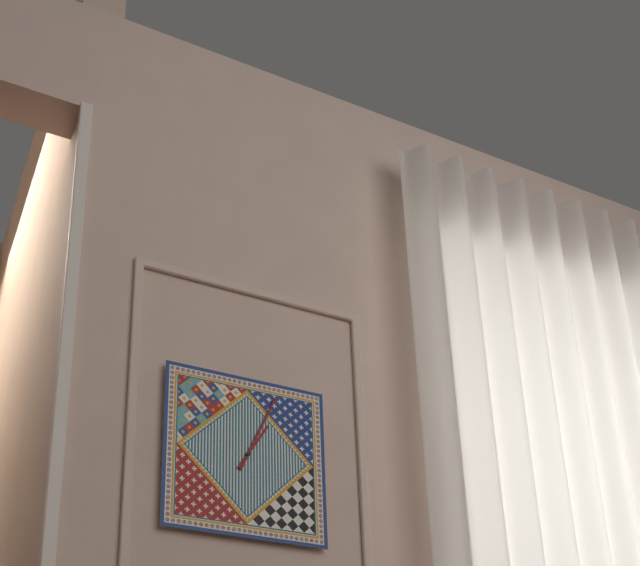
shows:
1,04
